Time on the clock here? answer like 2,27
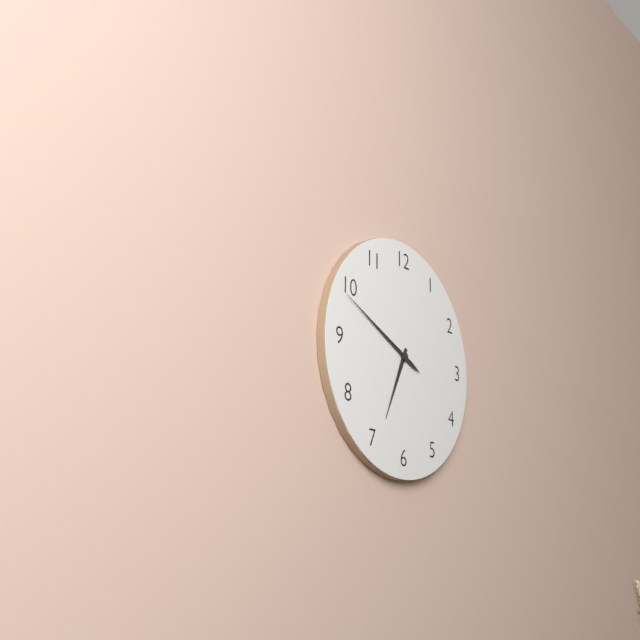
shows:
6,49
